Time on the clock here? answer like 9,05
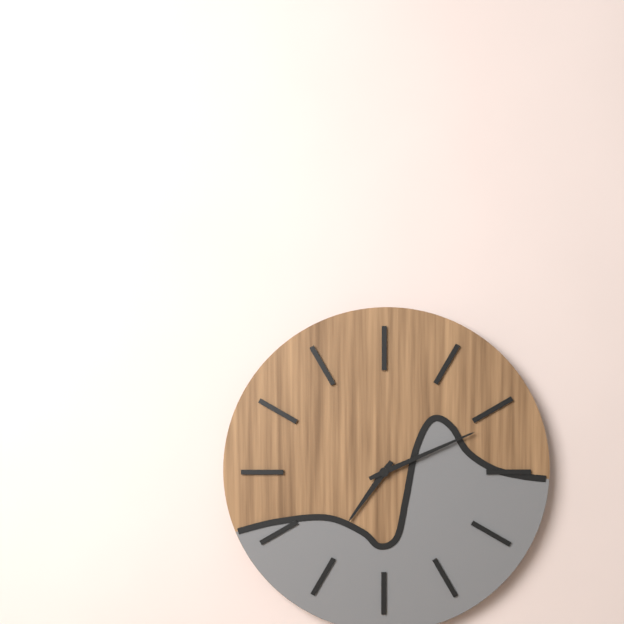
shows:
7,11
